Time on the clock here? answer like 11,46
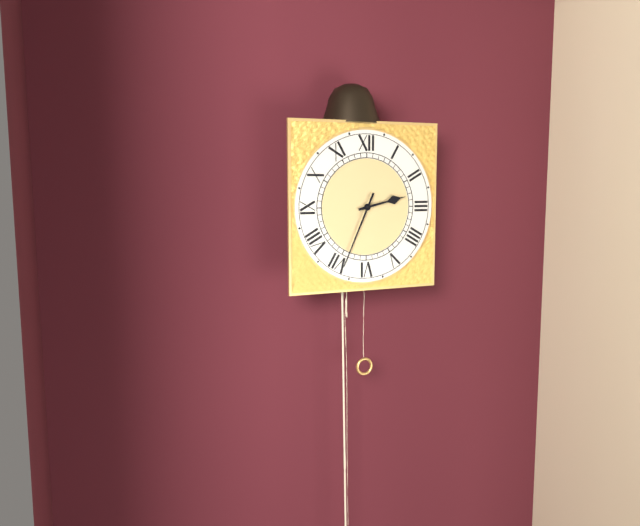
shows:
2,34
